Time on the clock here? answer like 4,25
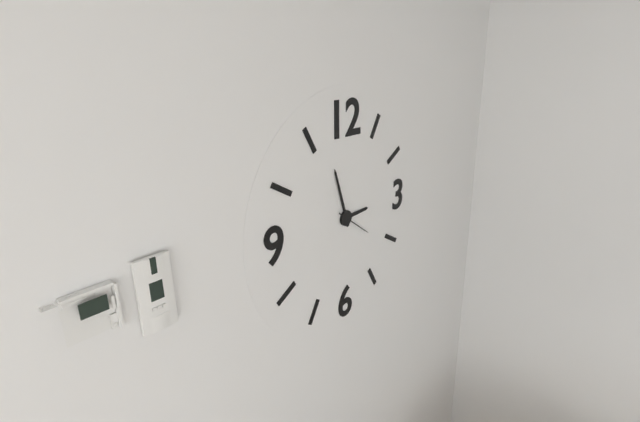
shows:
2,57
